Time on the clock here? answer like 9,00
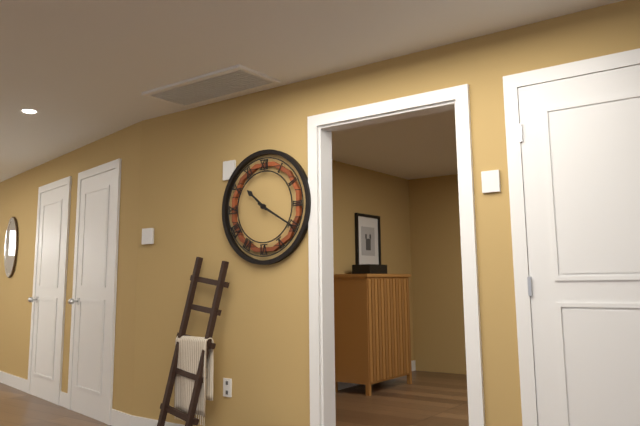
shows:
10,20
